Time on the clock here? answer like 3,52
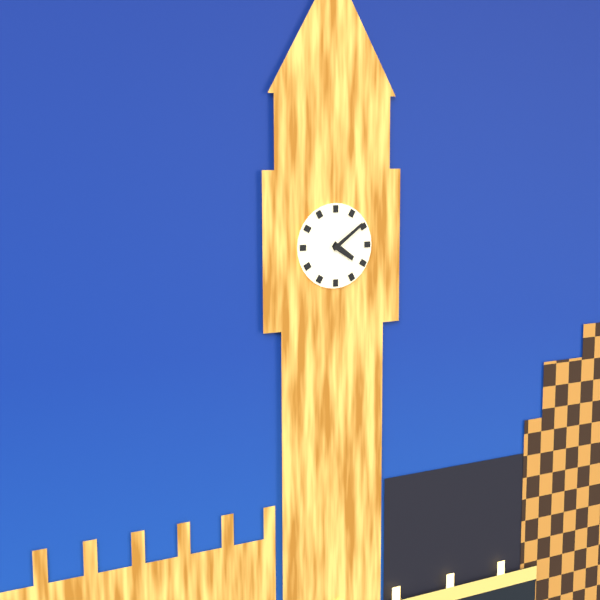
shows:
4,09
